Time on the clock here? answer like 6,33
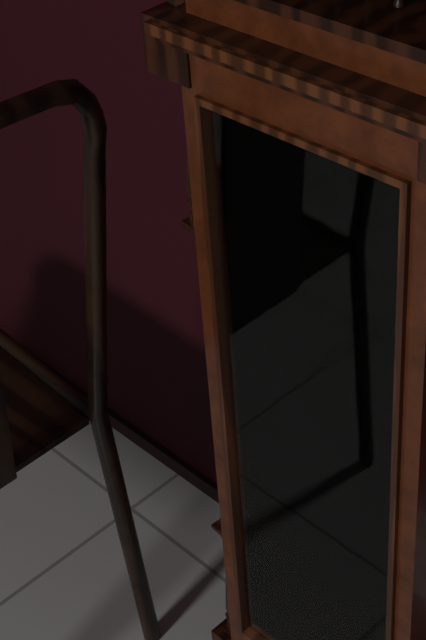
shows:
1,53
